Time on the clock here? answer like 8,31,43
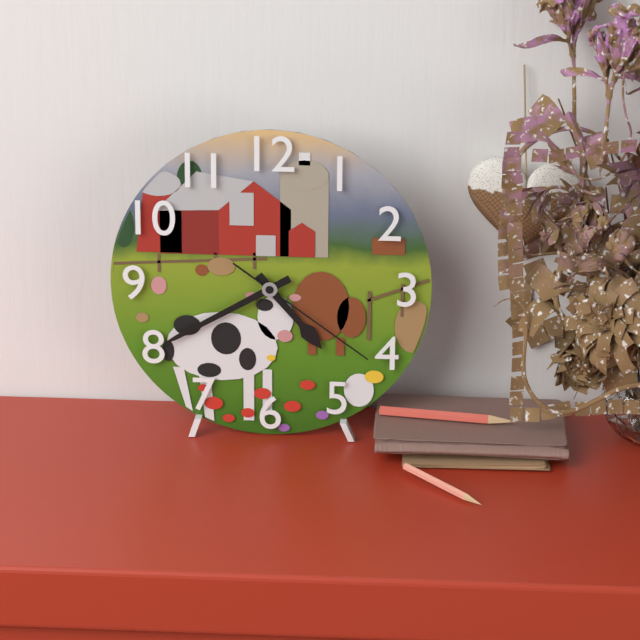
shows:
4,40,21
